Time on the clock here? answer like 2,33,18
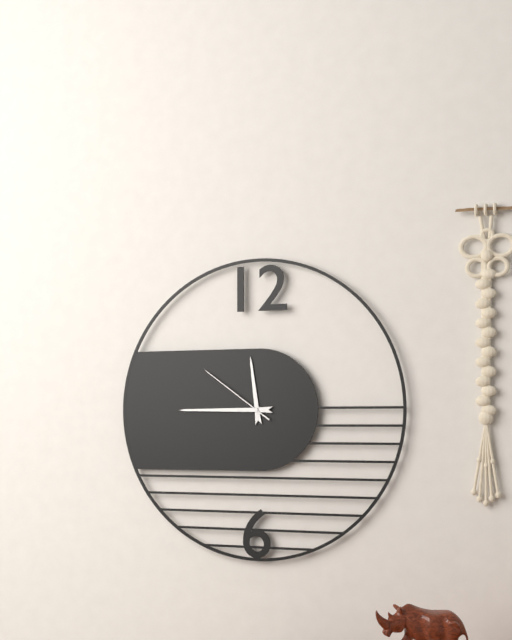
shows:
11,45,51
